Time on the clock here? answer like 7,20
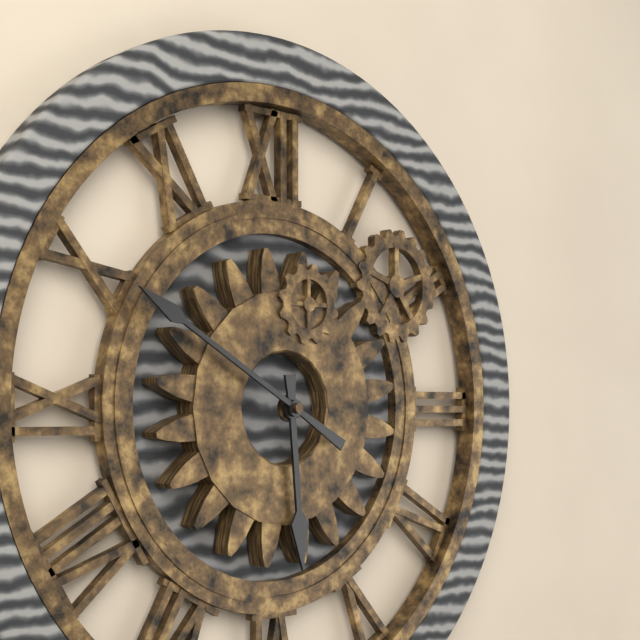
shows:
5,50
